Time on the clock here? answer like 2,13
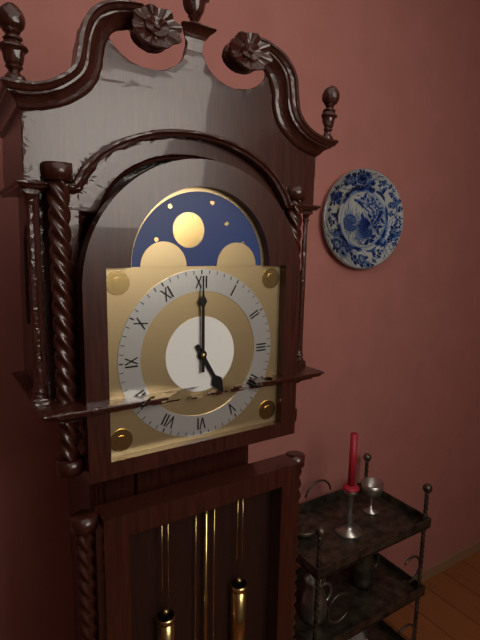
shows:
5,00
